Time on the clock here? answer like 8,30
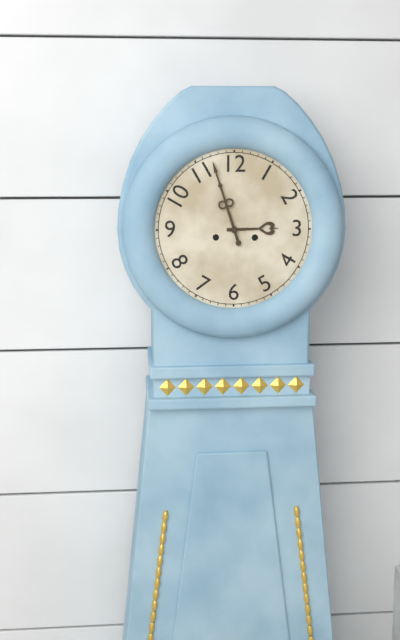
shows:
2,57
